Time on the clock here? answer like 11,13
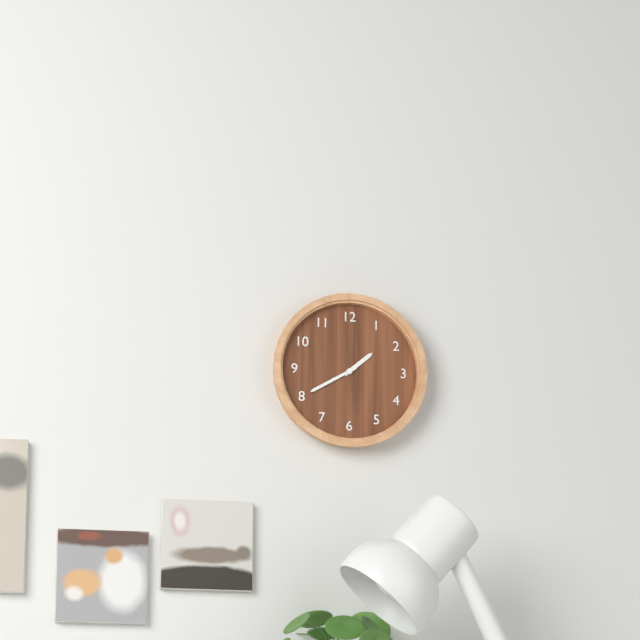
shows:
1,40
